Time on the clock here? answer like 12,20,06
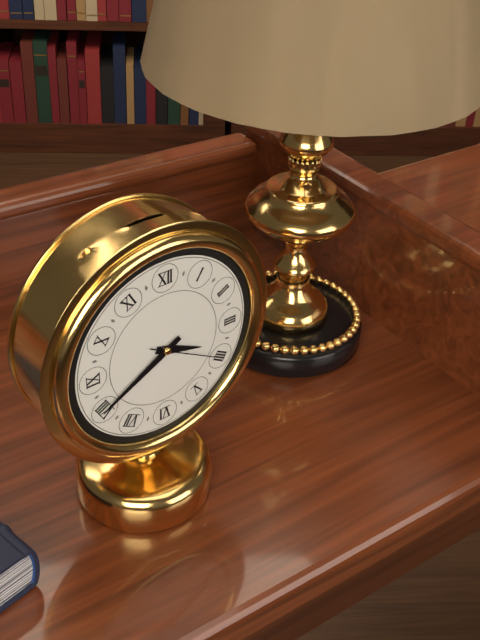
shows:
3,40,20
